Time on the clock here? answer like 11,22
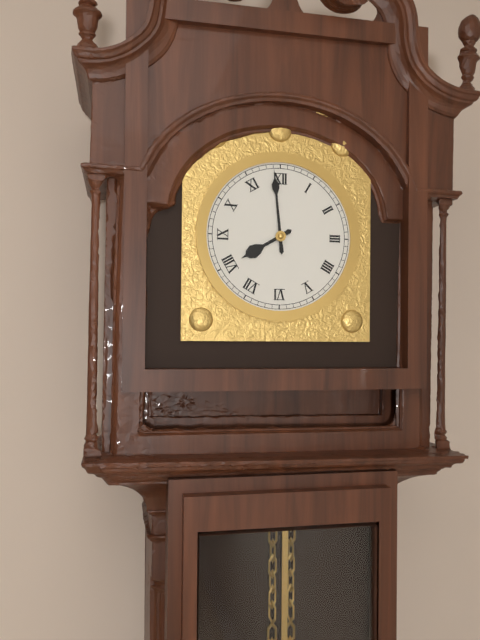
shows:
7,59
